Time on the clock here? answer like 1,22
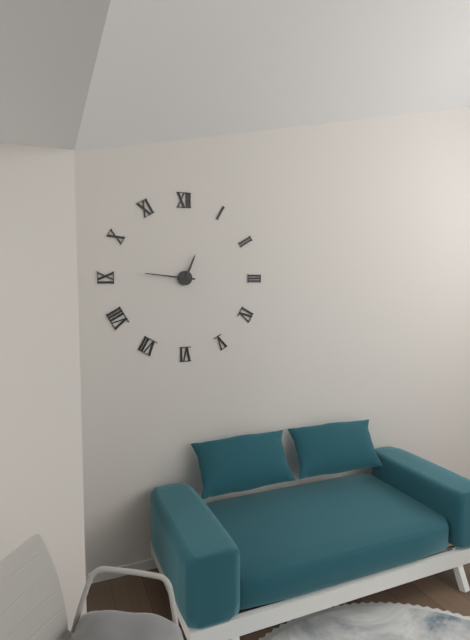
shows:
12,46
